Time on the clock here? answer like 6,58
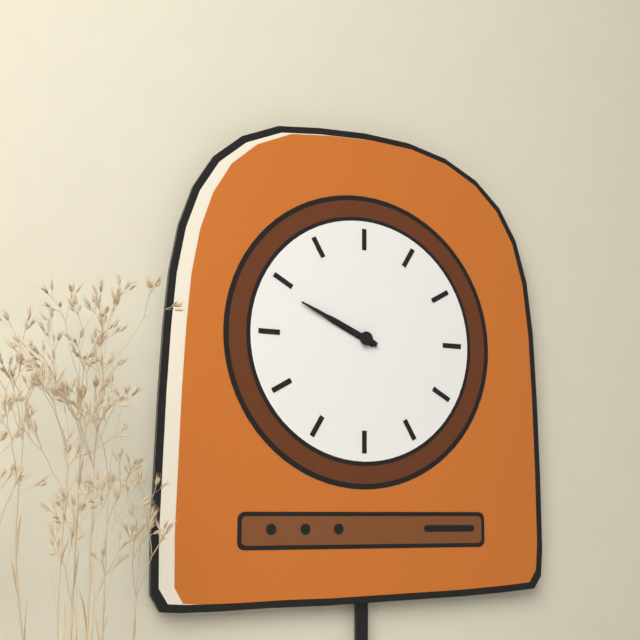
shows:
9,49
